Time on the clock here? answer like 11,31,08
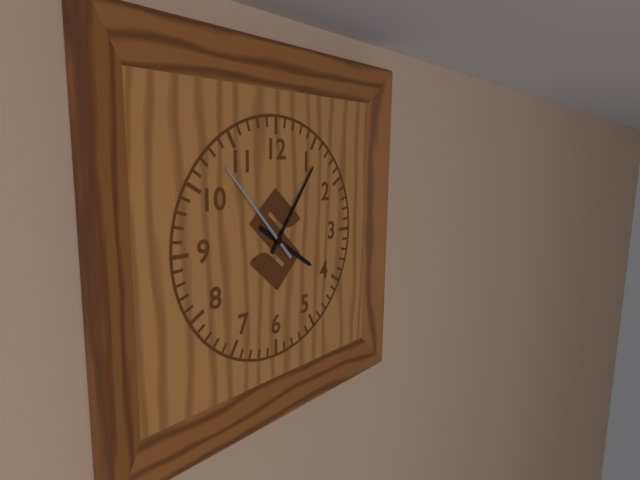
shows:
4,06,53
